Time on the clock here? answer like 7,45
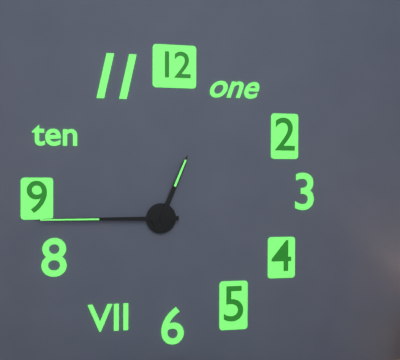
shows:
12,45
